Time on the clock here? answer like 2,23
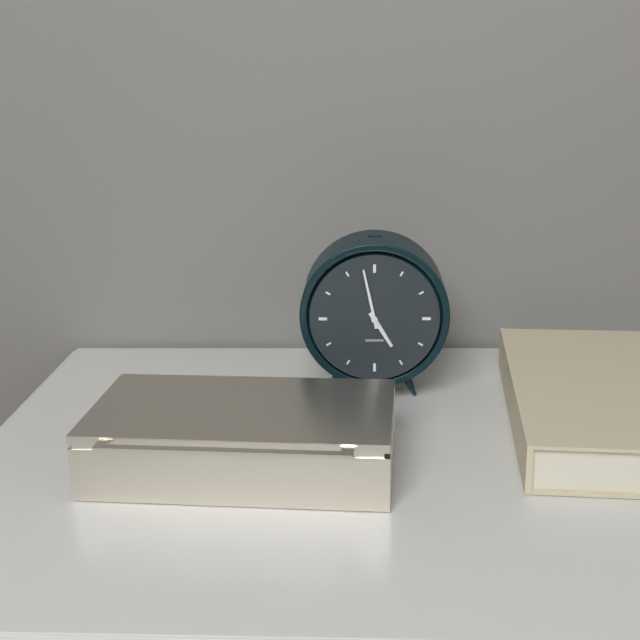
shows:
4,58
